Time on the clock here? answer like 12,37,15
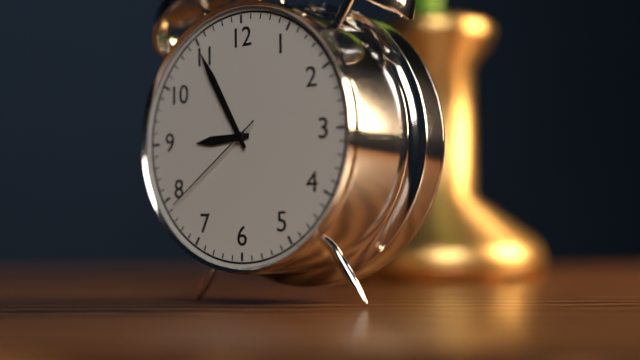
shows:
8,55,39
